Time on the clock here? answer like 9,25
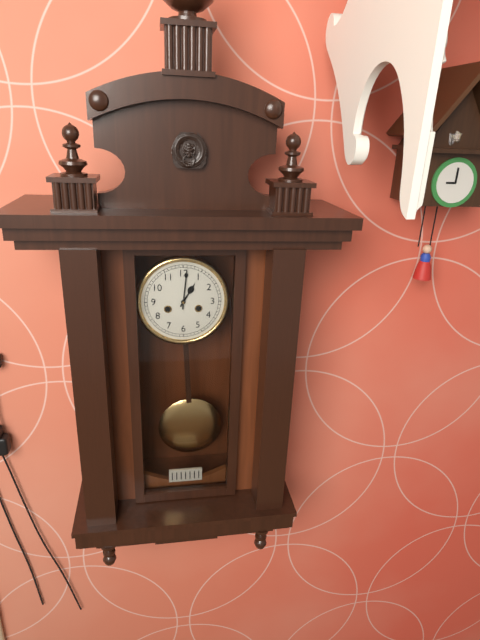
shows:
1,01
